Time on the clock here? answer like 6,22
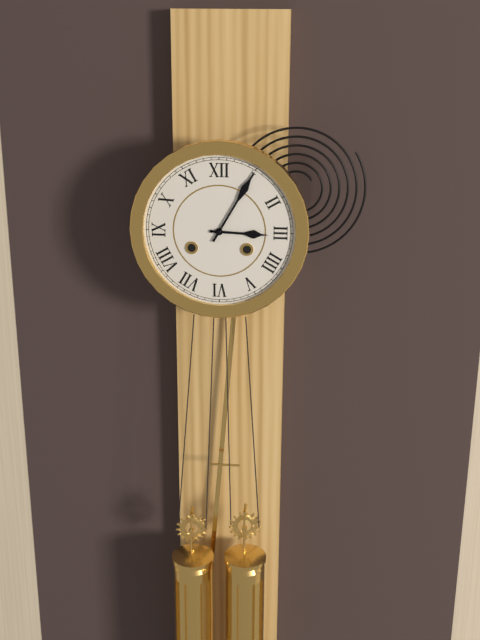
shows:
3,05
